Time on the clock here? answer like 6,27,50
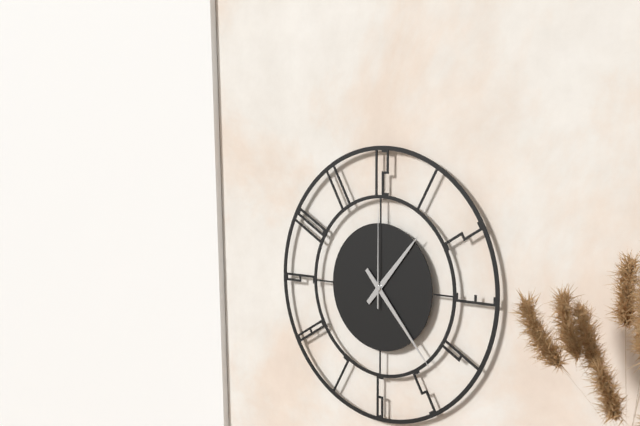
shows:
1,23,00
